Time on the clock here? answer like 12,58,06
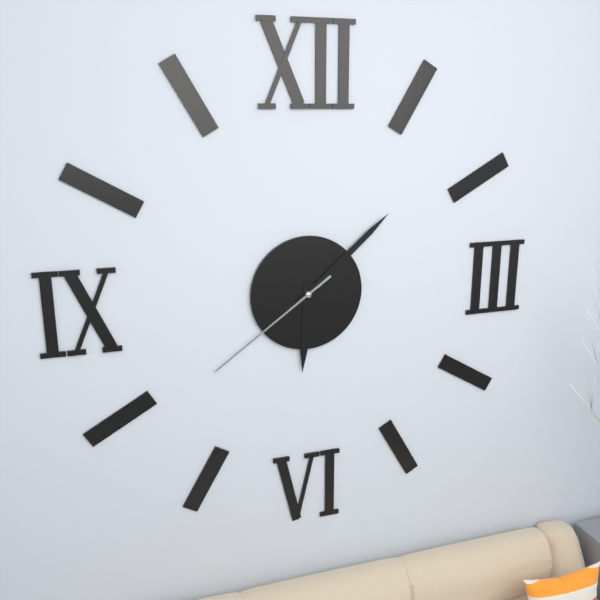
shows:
6,08,39
